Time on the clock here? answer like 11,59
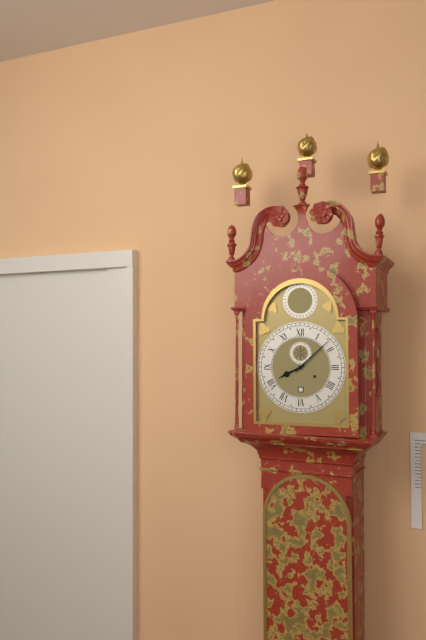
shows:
8,08
